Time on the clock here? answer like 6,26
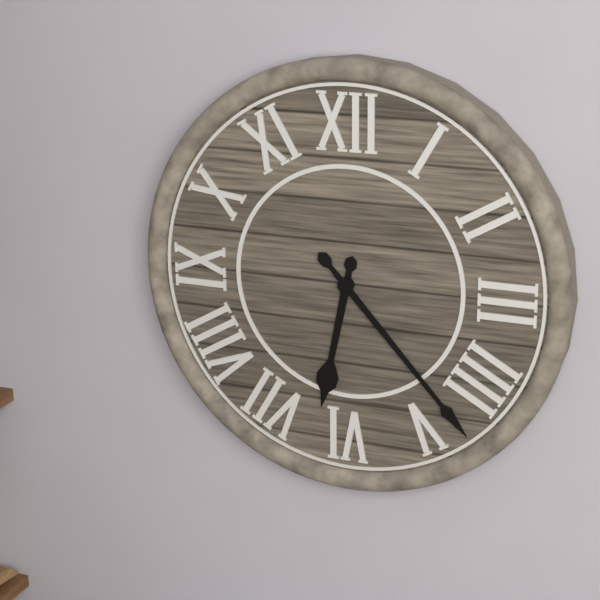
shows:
6,23
